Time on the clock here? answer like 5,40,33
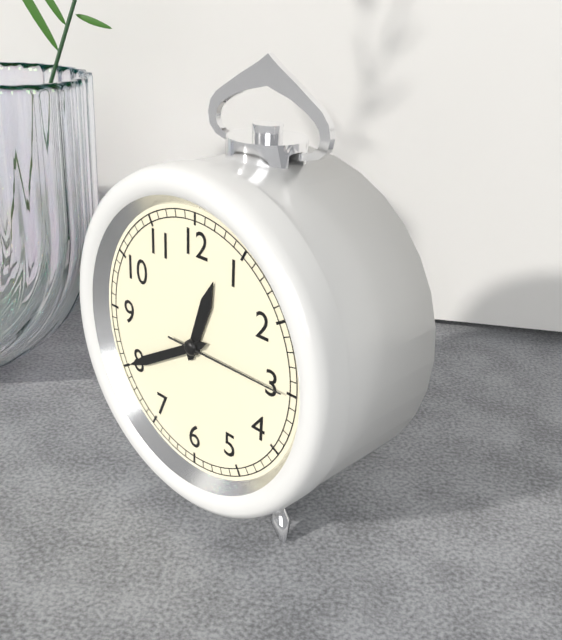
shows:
12,40,15
